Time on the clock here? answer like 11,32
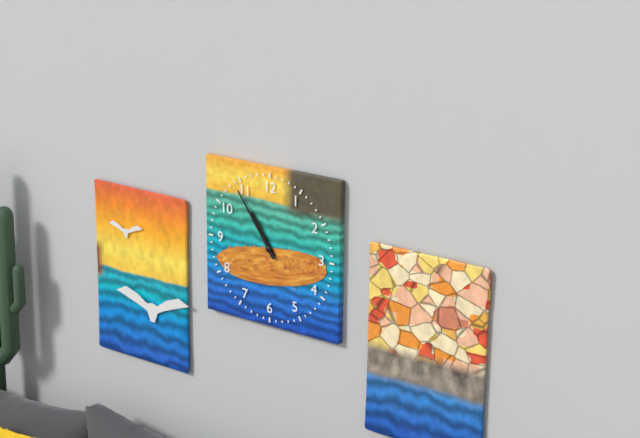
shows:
10,54
